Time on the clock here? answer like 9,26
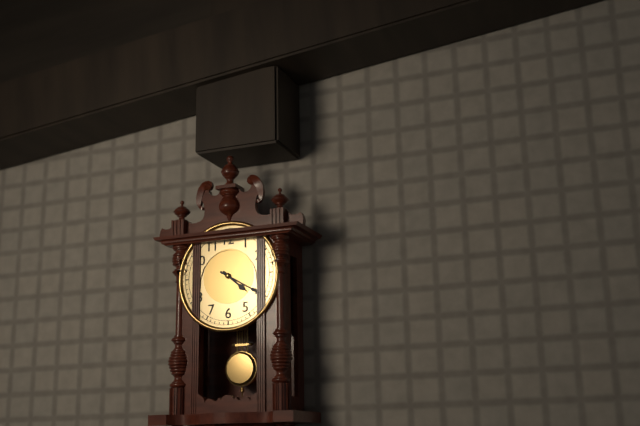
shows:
4,20
